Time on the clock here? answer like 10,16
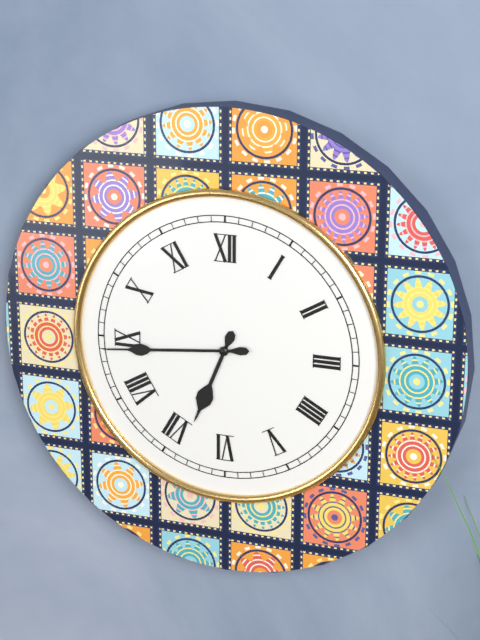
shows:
6,44
